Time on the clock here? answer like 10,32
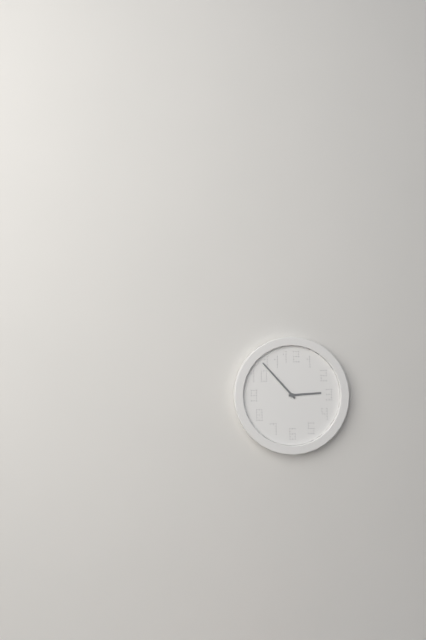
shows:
2,53
